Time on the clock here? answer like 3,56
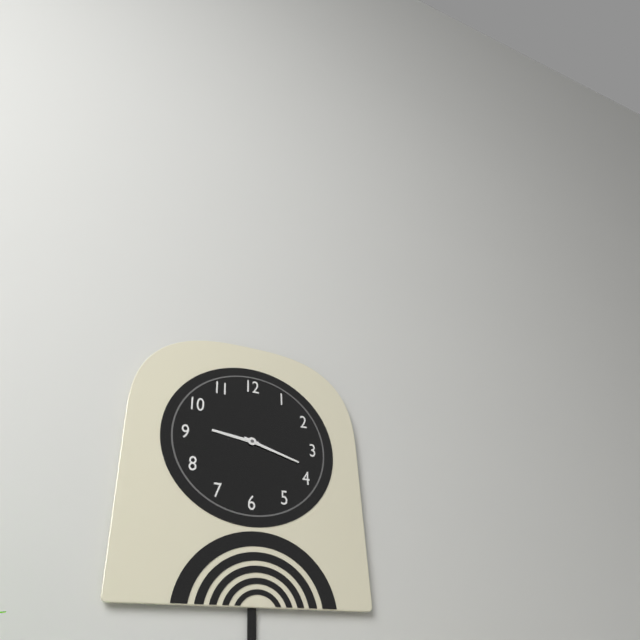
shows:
9,18
